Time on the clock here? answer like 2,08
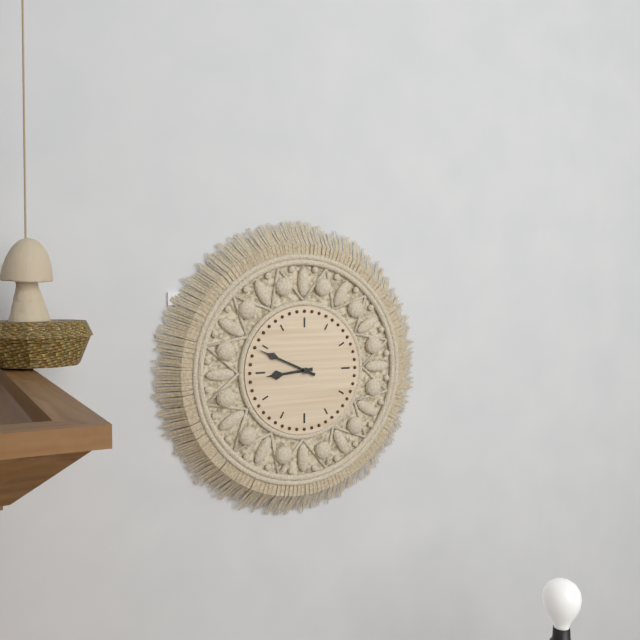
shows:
8,49
